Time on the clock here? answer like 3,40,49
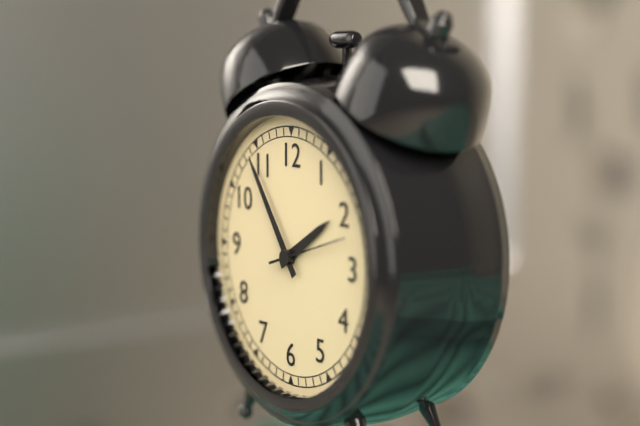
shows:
1,54,12
